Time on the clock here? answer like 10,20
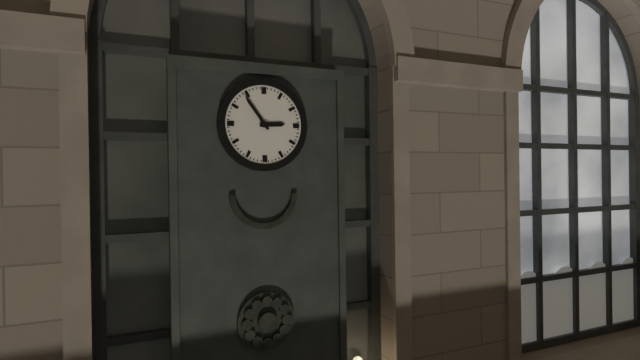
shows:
2,54
